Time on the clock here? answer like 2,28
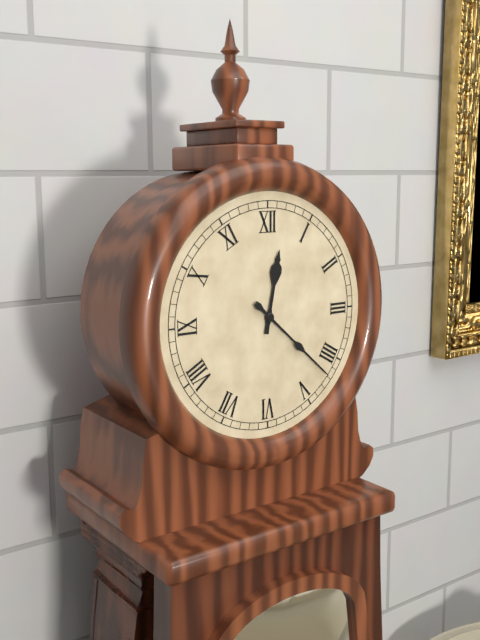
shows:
12,22
